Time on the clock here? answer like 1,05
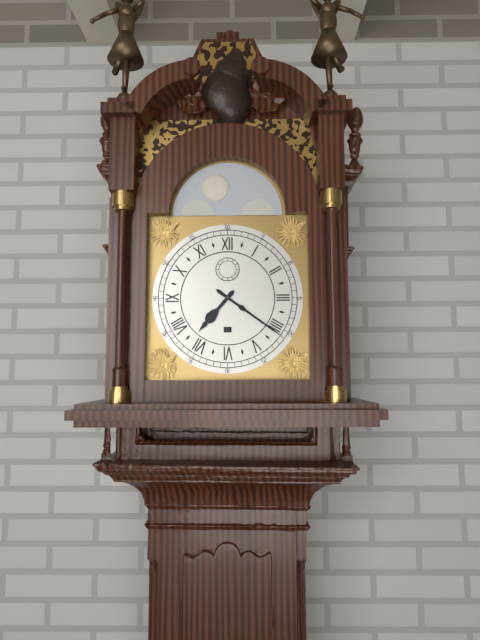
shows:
7,21
